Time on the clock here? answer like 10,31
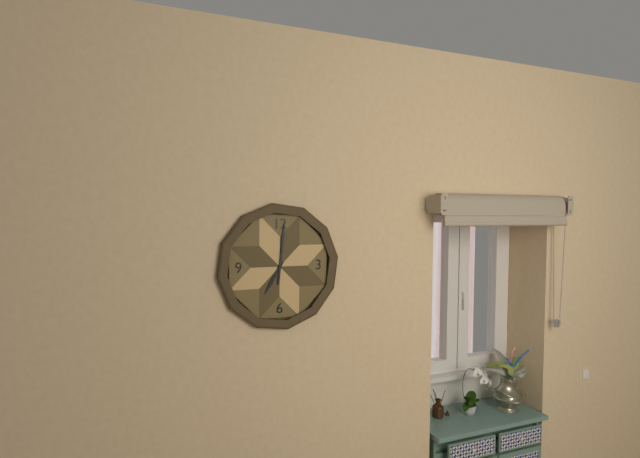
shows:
7,01
